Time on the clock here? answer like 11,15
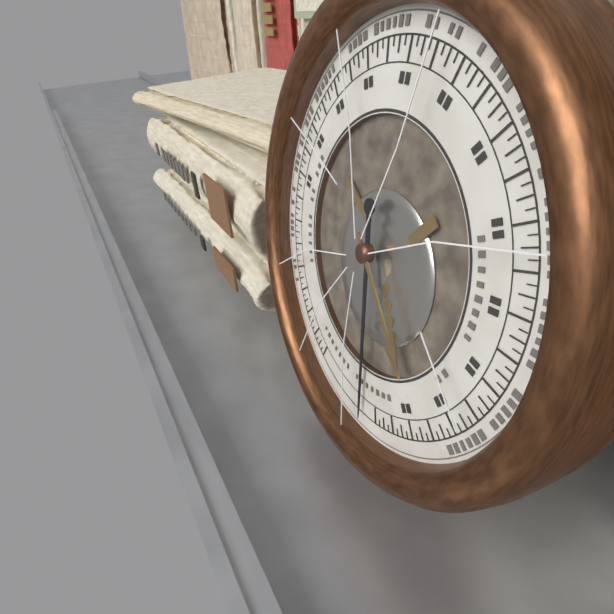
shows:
4,28
